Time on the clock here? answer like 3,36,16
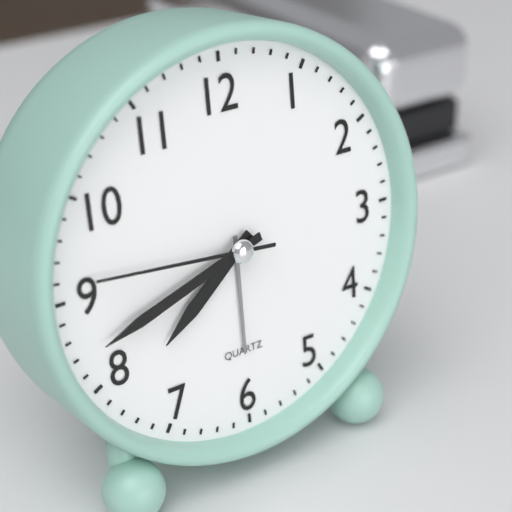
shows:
7,42,46
